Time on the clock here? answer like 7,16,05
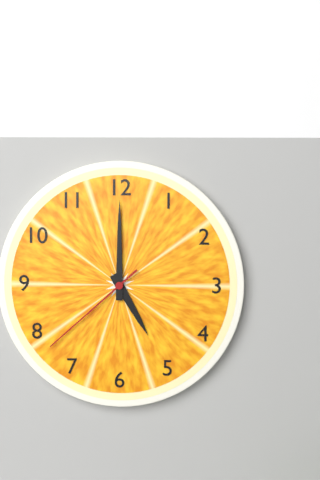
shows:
5,00,38
